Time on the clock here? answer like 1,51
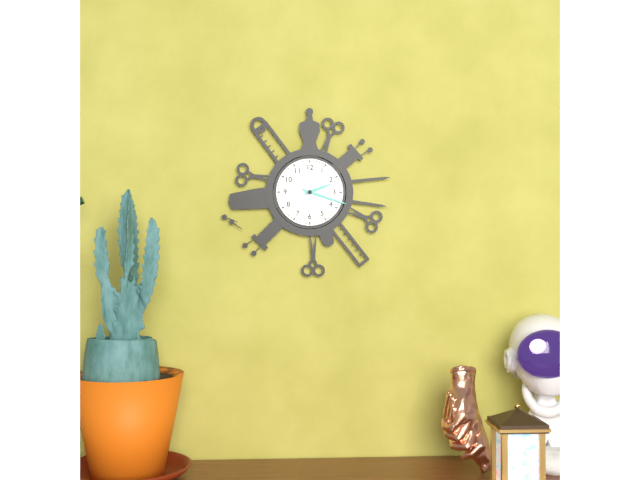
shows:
2,18
